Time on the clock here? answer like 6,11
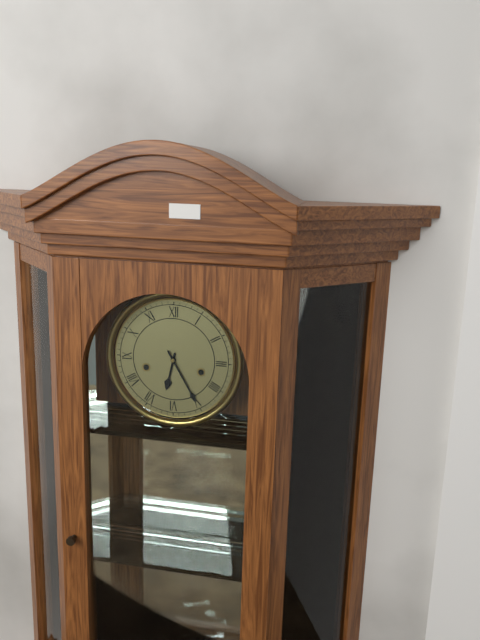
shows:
6,25
